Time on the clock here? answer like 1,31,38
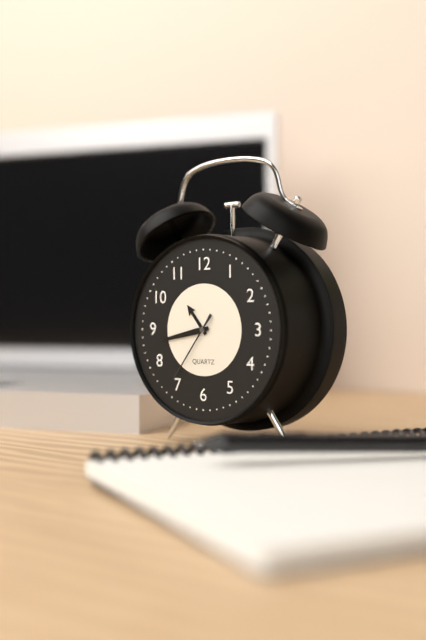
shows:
10,43,36
